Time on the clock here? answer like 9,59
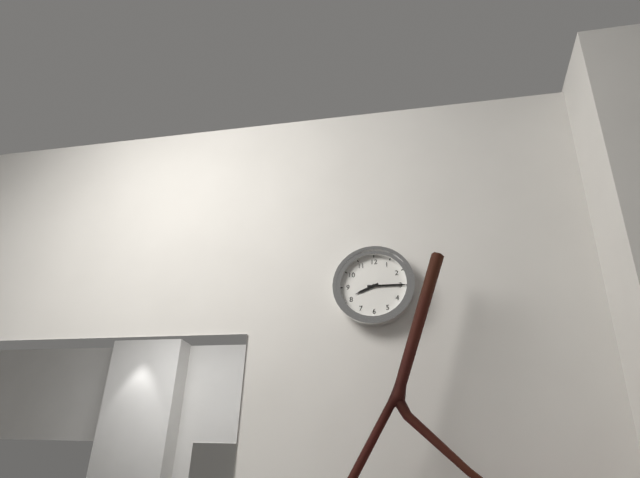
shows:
8,15
